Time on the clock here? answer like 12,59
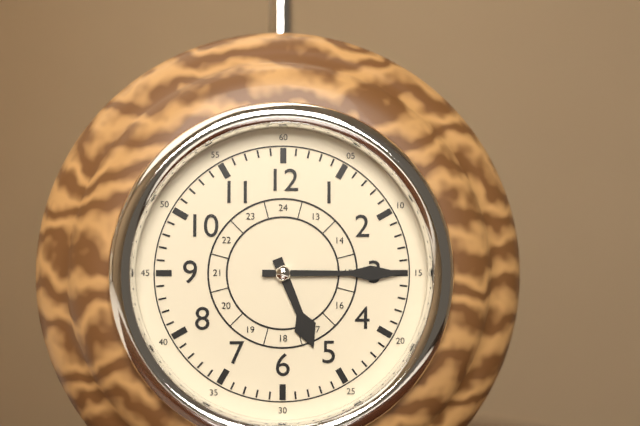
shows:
5,15
